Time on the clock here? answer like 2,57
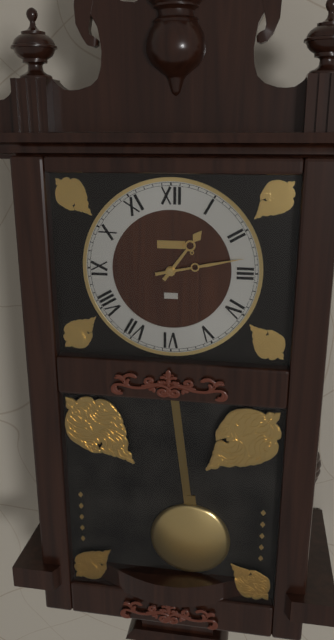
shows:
1,13
